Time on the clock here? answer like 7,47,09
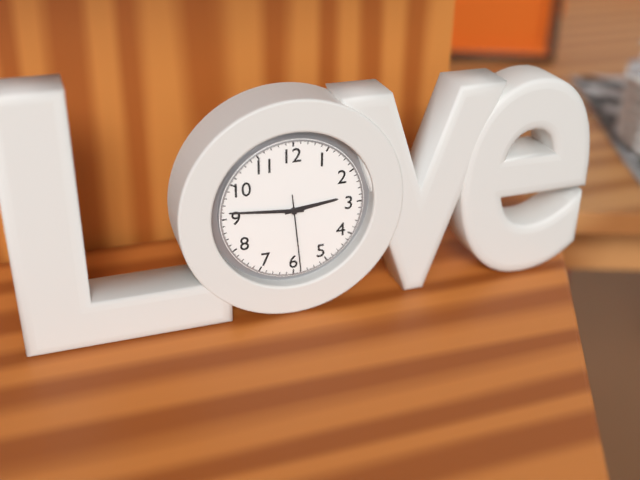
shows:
2,46,29
